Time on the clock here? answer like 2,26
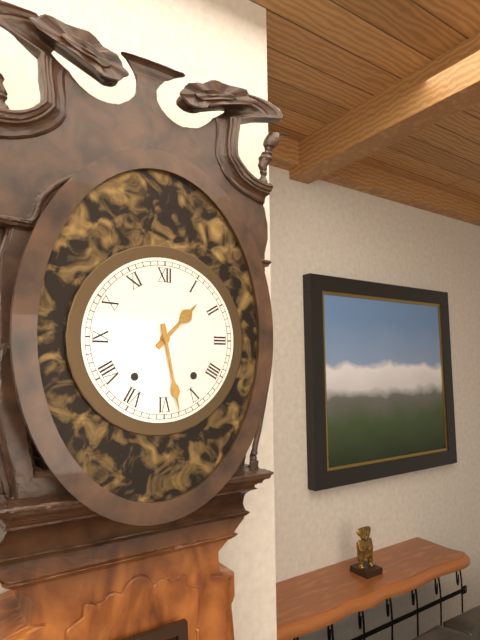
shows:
1,28
